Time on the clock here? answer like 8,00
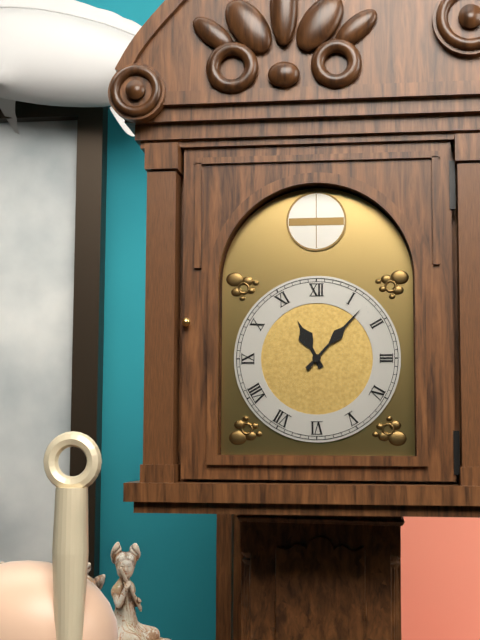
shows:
11,07
